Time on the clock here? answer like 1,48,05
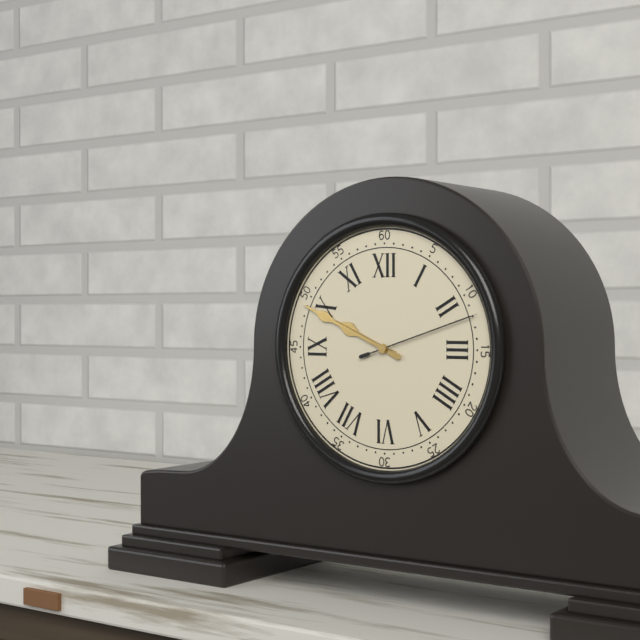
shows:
9,49,12
